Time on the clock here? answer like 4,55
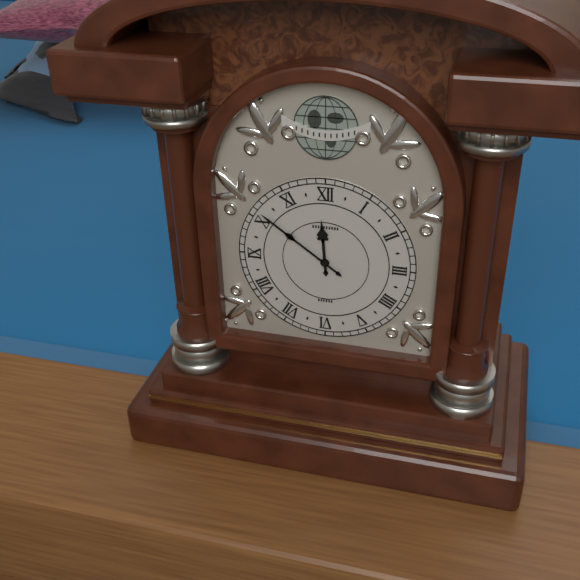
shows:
11,51
